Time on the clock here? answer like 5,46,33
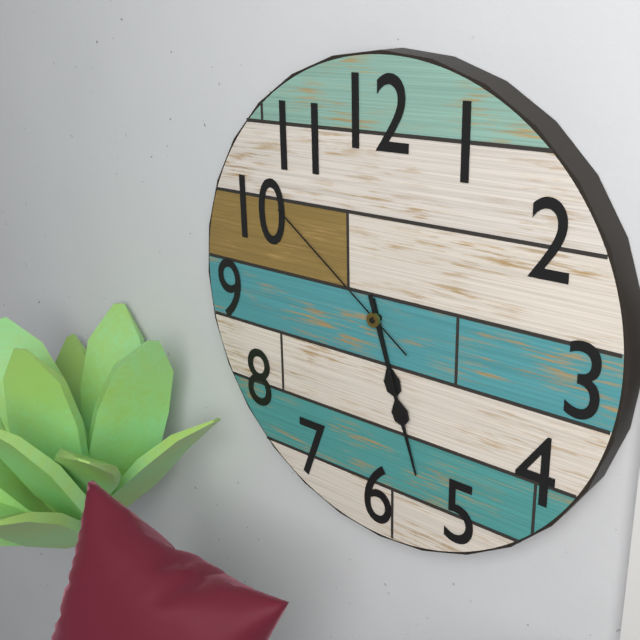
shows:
5,27,51
